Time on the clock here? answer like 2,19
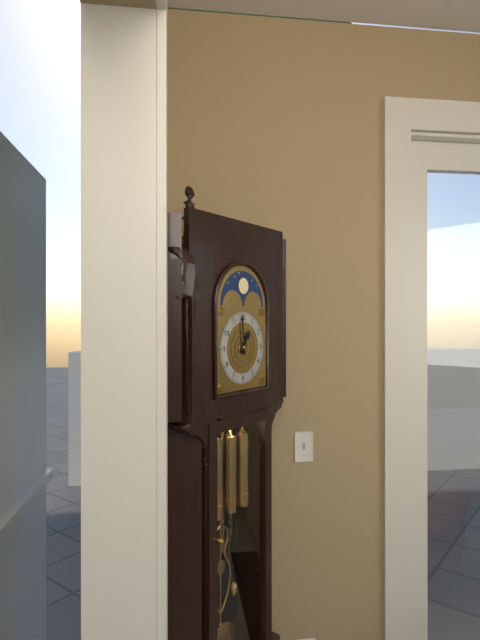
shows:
12,59
